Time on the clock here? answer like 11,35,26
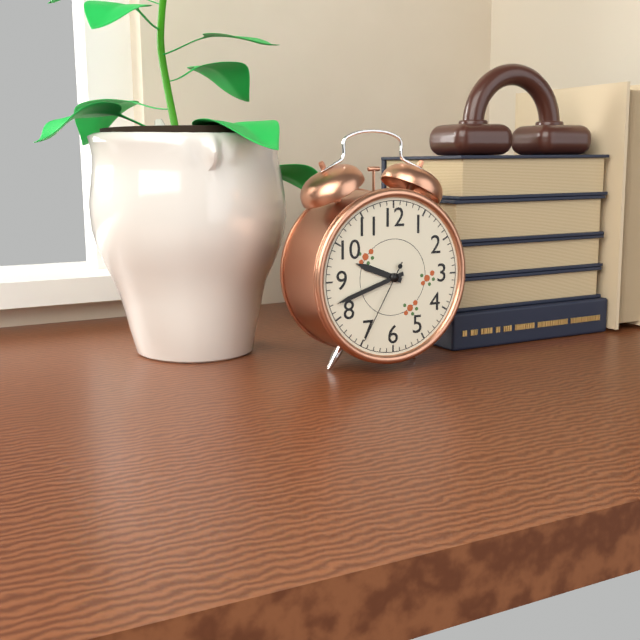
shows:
9,42,35
